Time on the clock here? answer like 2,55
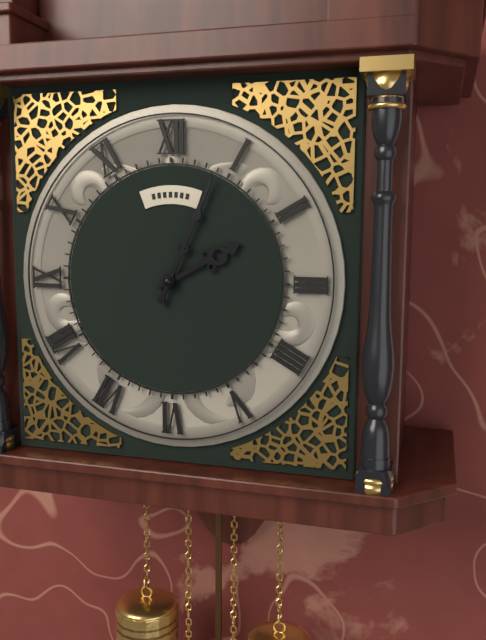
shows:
2,04
